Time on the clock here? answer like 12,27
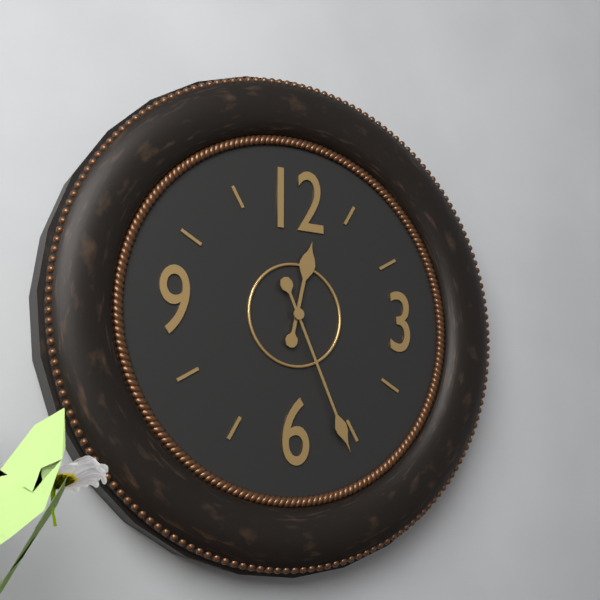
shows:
12,26
